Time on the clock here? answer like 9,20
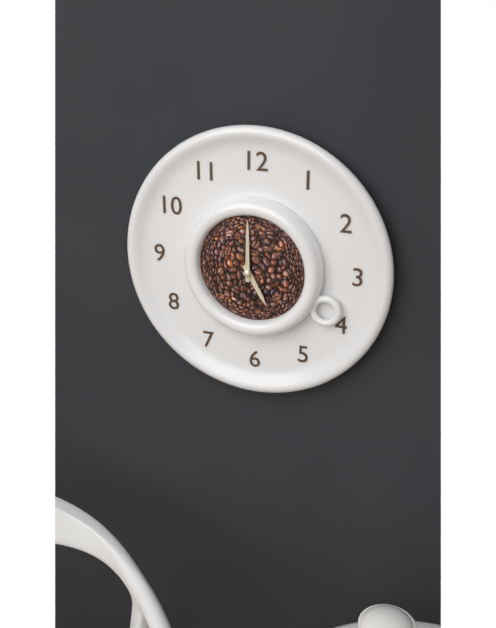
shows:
5,00
